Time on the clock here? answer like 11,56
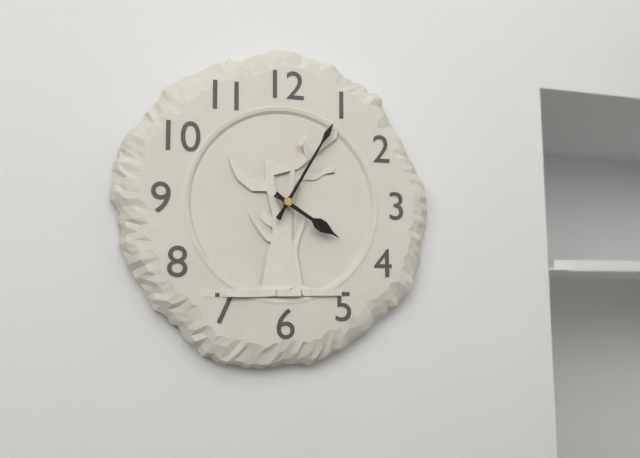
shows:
4,05
